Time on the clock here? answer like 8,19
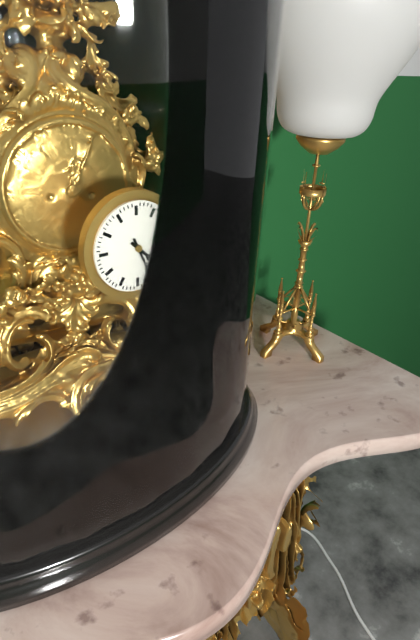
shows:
4,26
